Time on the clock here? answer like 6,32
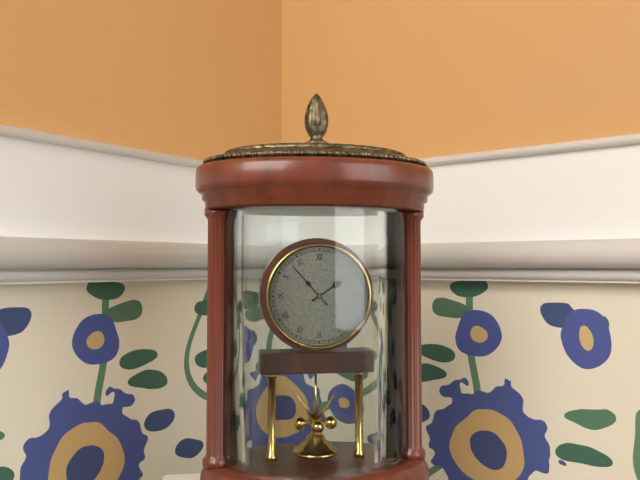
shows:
1,53
